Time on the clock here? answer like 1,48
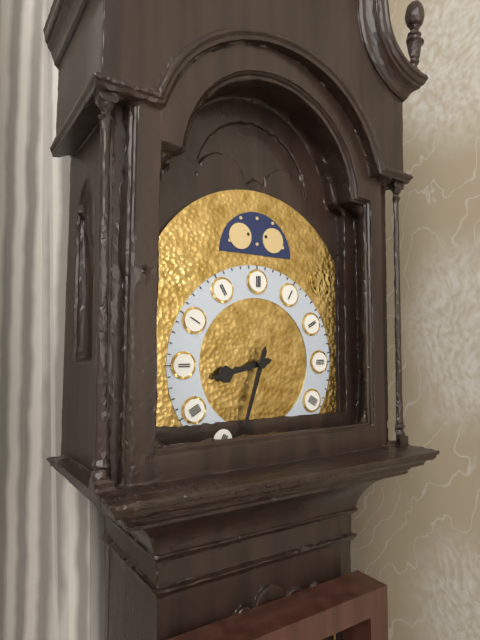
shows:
8,33
